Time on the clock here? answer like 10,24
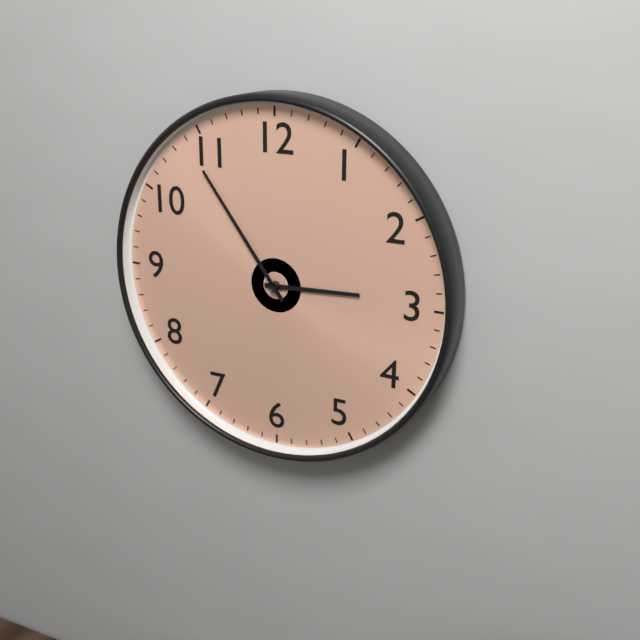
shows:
2,54
